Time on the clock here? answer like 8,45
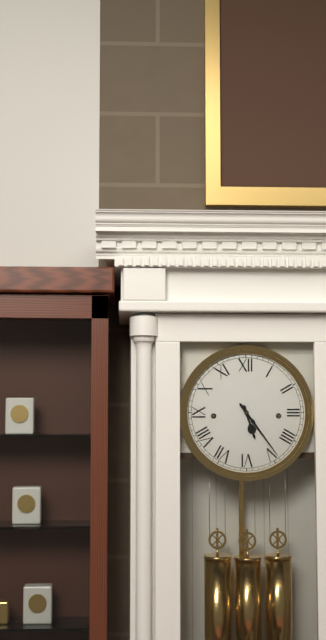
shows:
5,24
